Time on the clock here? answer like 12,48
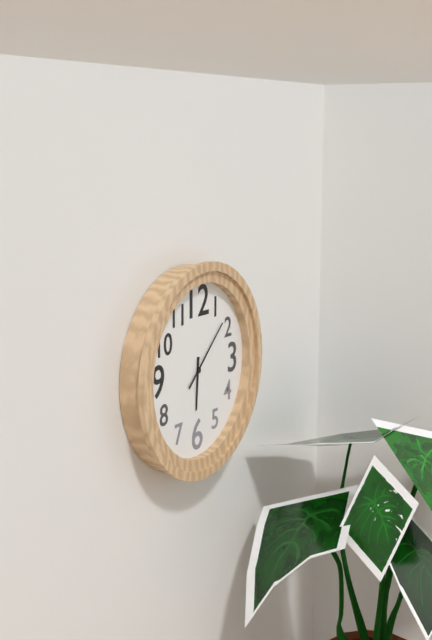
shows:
6,08
